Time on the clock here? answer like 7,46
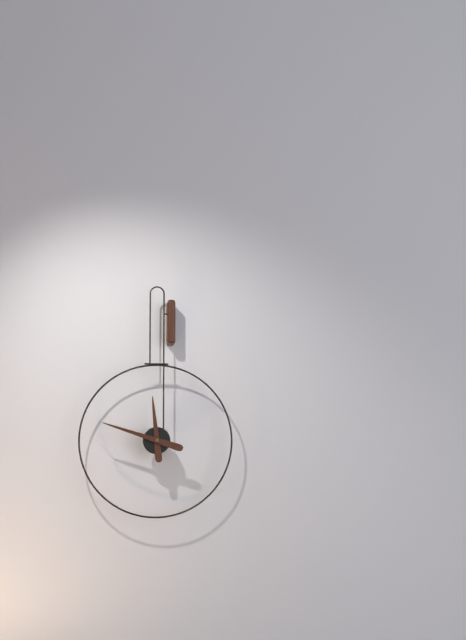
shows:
11,48
